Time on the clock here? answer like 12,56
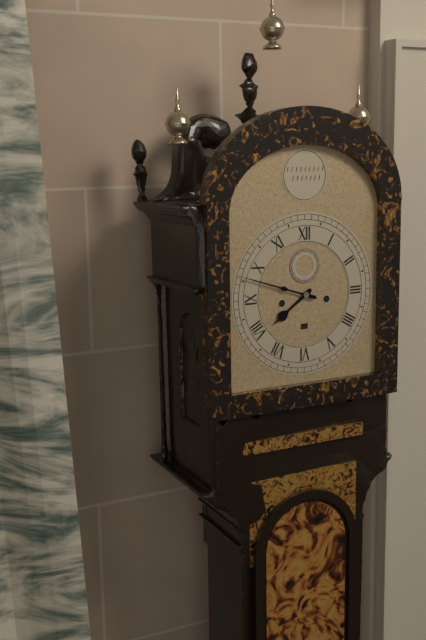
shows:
7,48
